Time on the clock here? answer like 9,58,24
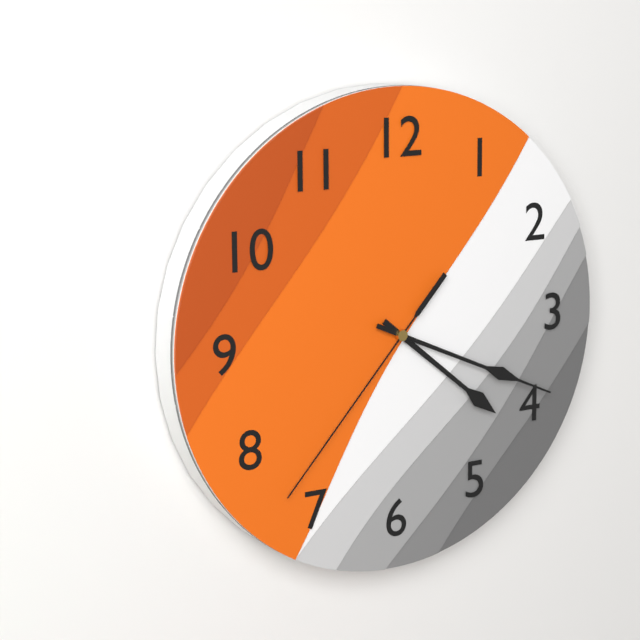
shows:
4,19,37
